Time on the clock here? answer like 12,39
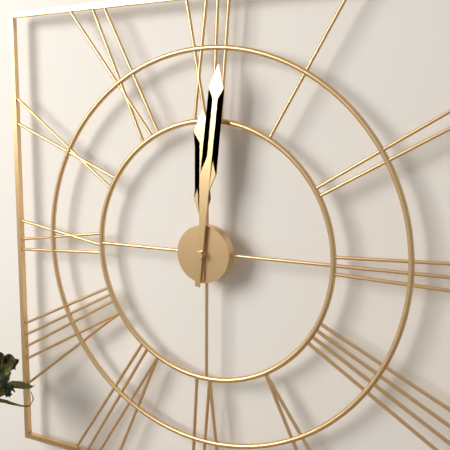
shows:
12,01
